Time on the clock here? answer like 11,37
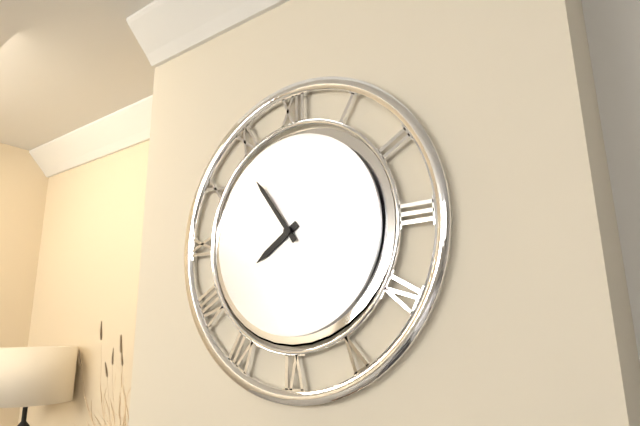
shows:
7,54
